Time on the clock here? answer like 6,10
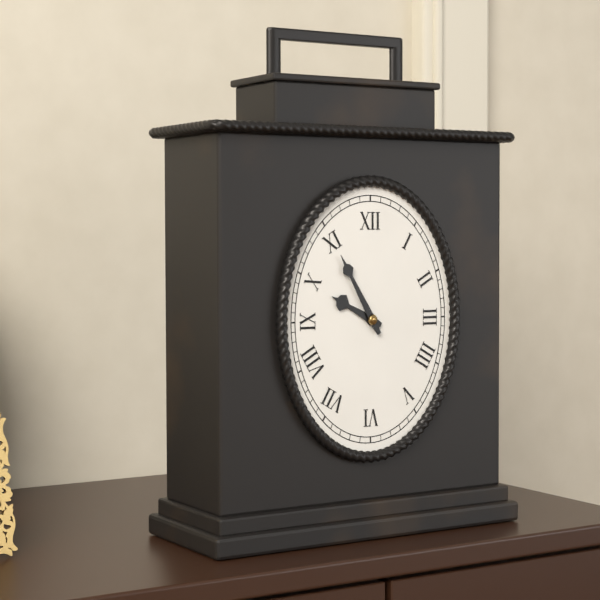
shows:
9,55
